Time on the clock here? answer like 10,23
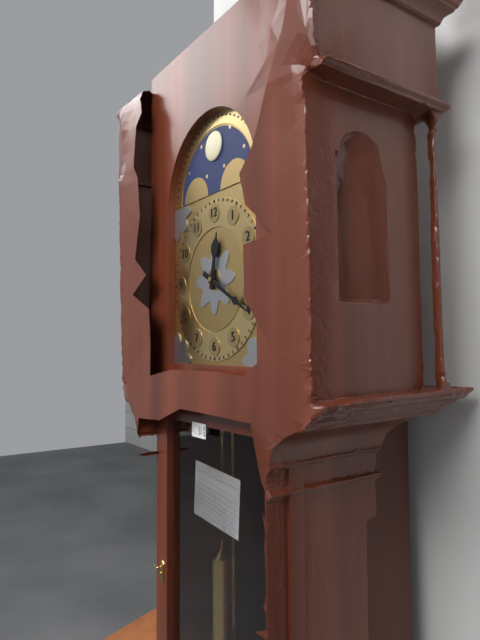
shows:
12,20
